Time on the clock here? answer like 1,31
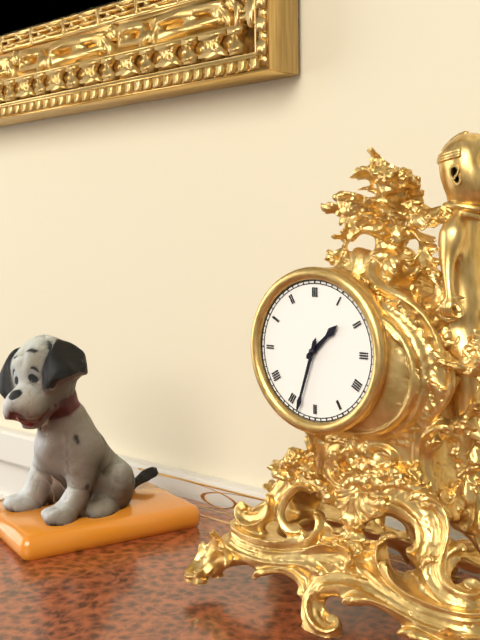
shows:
1,33
